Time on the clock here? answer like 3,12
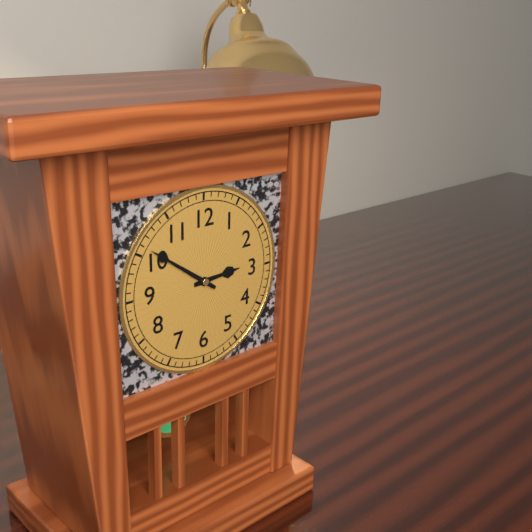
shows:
2,51
